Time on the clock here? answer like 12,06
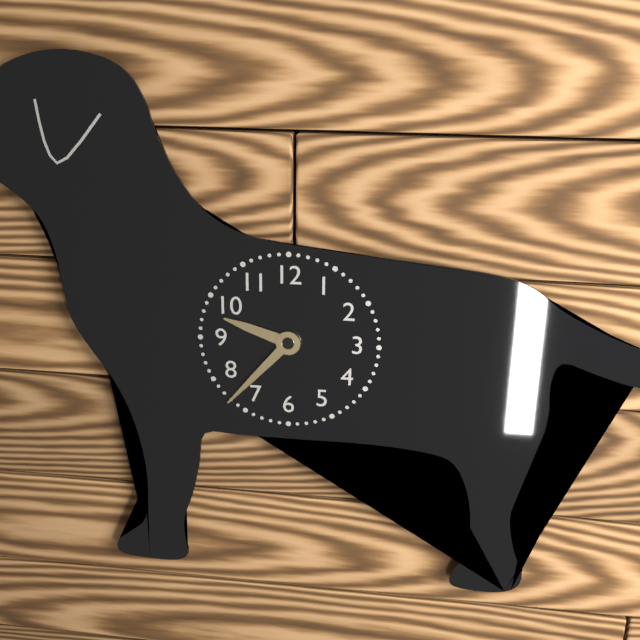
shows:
9,37
